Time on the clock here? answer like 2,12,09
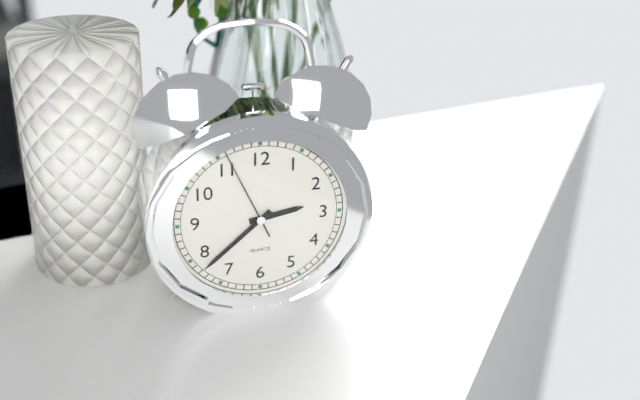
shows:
2,38,56
